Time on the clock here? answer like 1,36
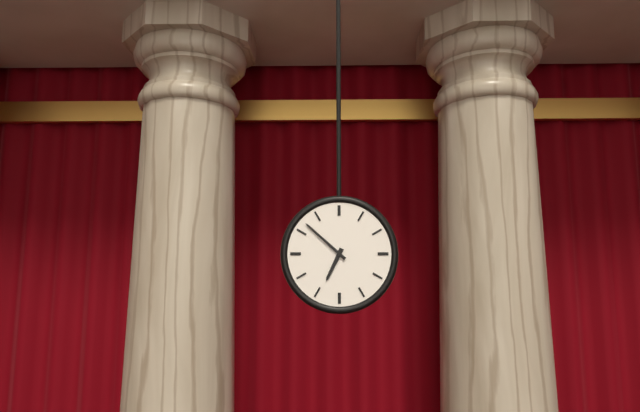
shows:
6,52
